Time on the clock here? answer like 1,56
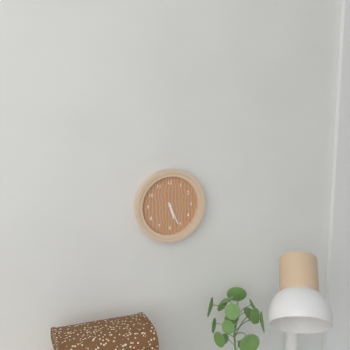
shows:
5,26
